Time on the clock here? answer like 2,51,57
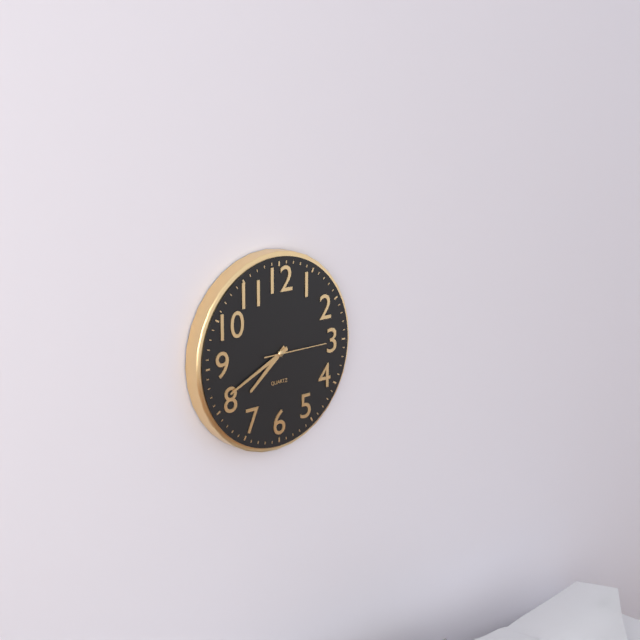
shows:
7,41,15
